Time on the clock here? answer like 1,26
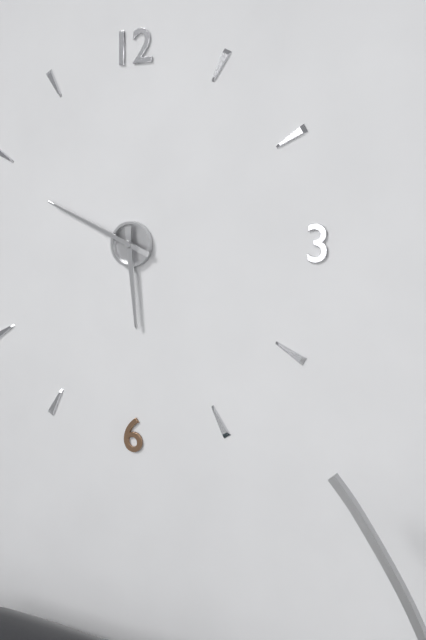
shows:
5,49
